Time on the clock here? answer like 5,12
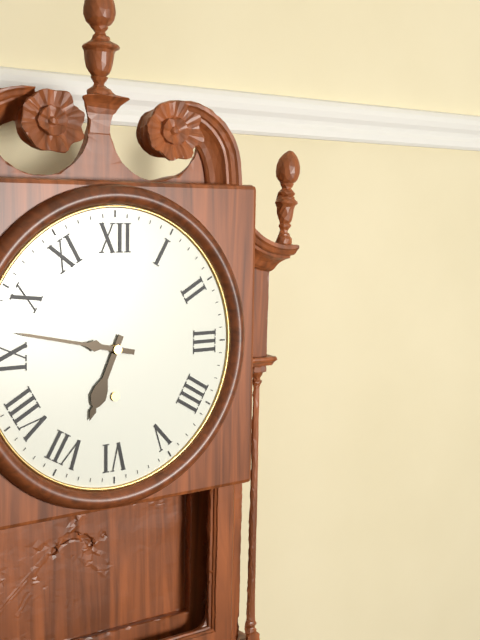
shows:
6,47
